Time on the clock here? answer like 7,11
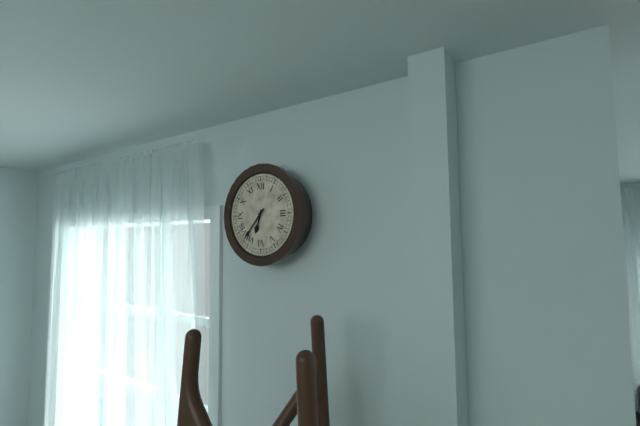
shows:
6,37
